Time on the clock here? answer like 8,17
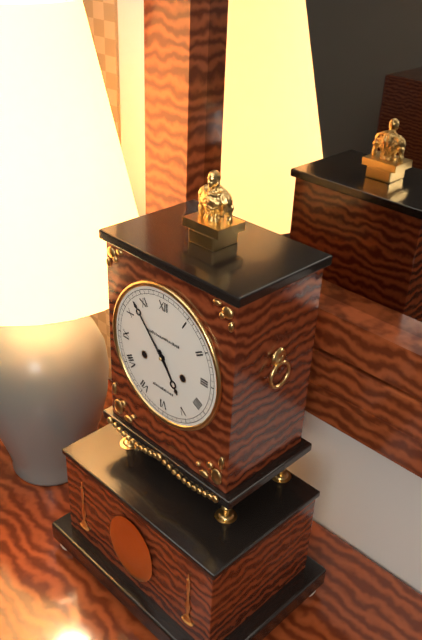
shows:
4,53
